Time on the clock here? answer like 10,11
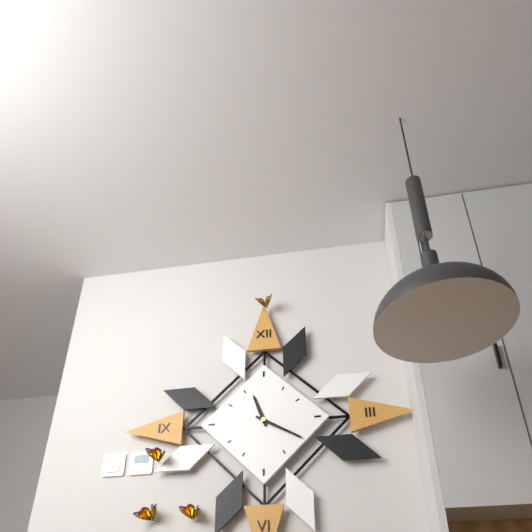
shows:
11,20
